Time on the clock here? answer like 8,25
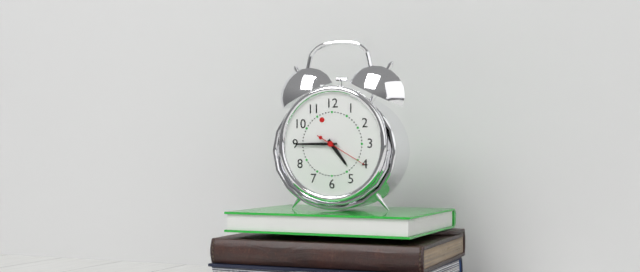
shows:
4,45
